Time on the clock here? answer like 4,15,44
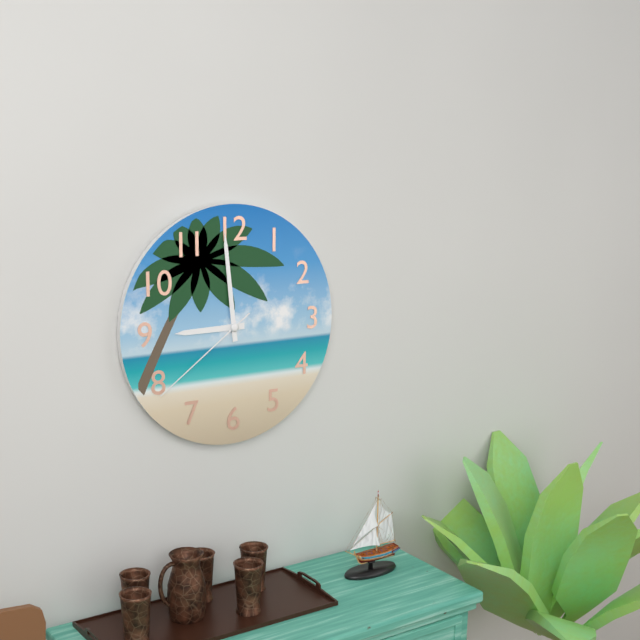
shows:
8,59,39
